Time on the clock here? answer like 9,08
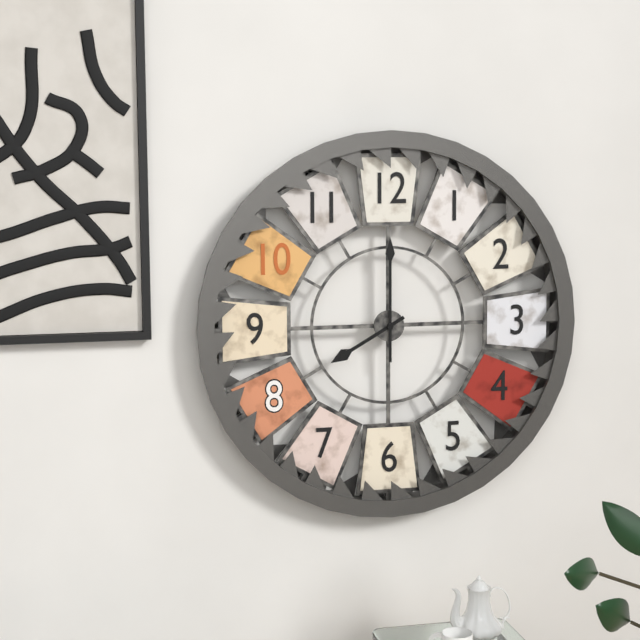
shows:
8,00
